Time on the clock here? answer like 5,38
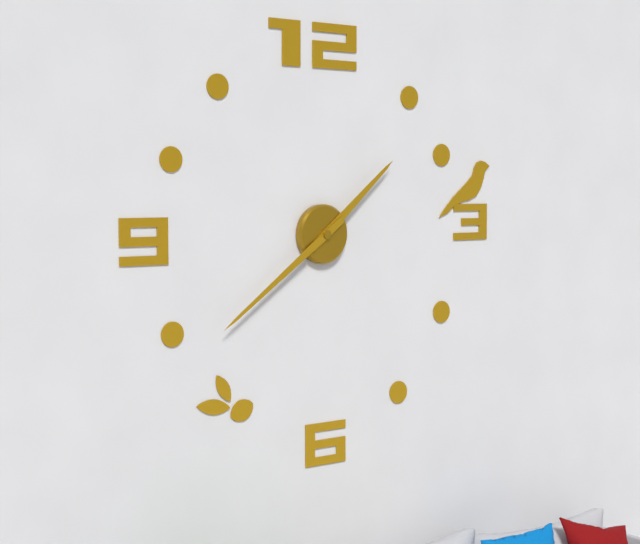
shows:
1,39
